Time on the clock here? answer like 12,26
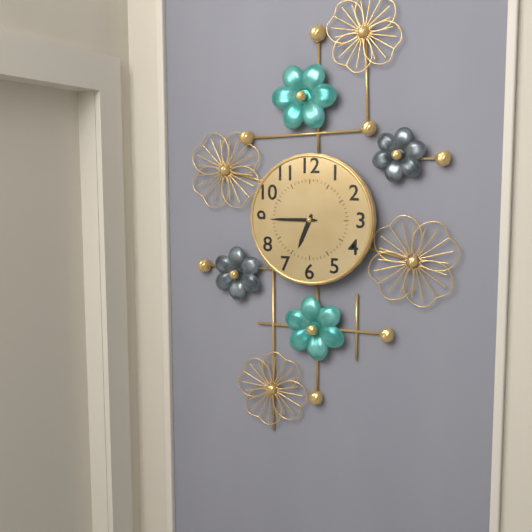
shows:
6,45
